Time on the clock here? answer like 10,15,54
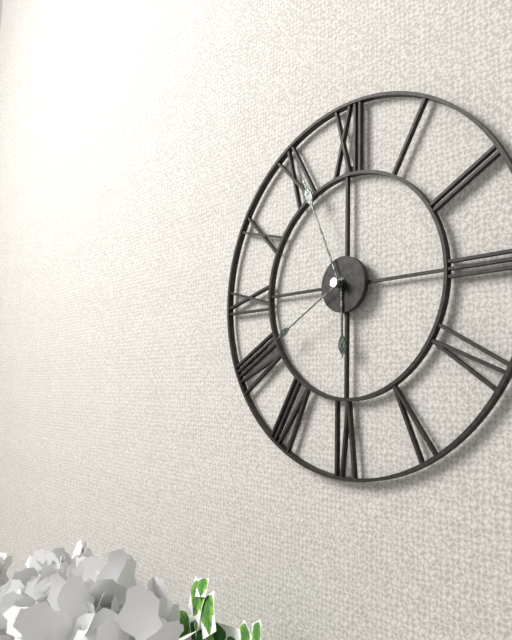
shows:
5,56,40
